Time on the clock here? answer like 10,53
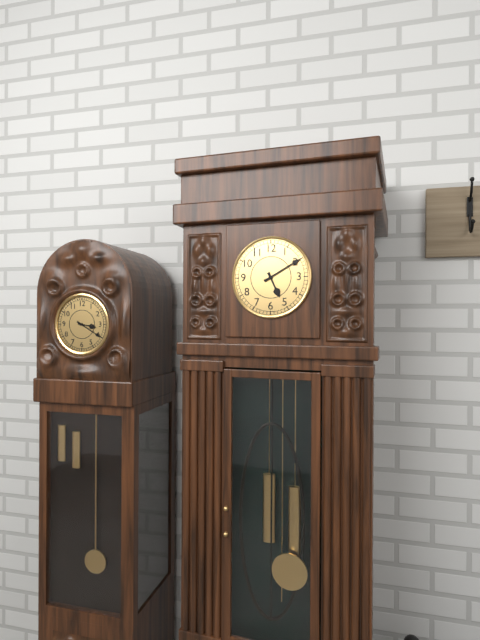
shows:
5,10
